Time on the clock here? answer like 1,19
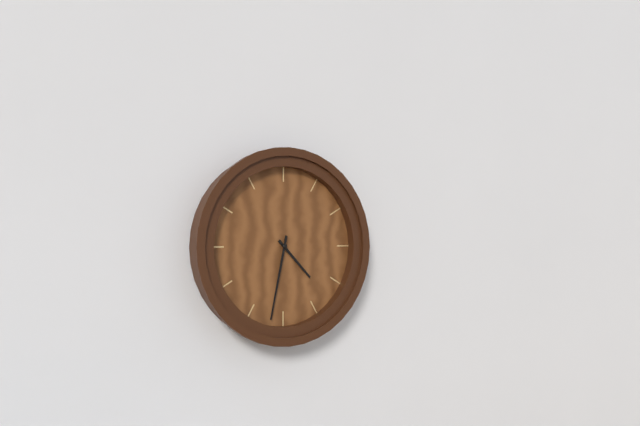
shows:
4,32
